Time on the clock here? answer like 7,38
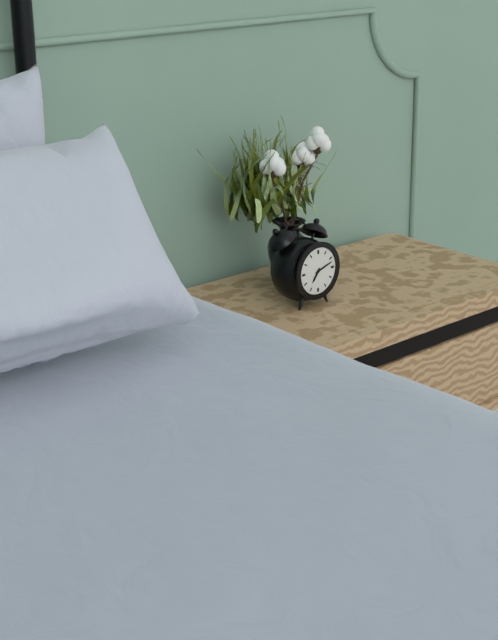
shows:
7,12
